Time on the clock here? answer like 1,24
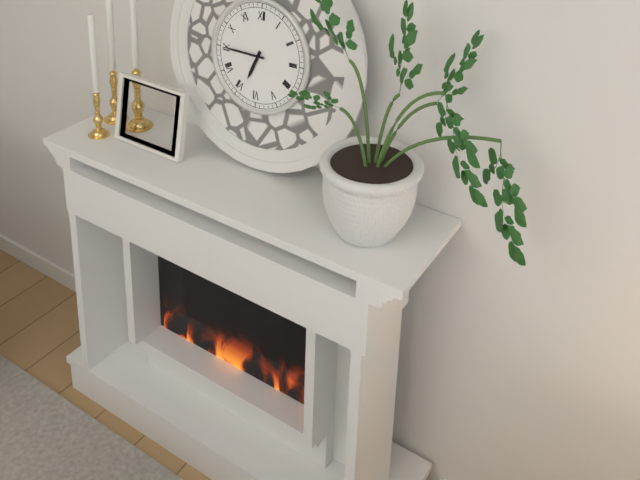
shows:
6,45
